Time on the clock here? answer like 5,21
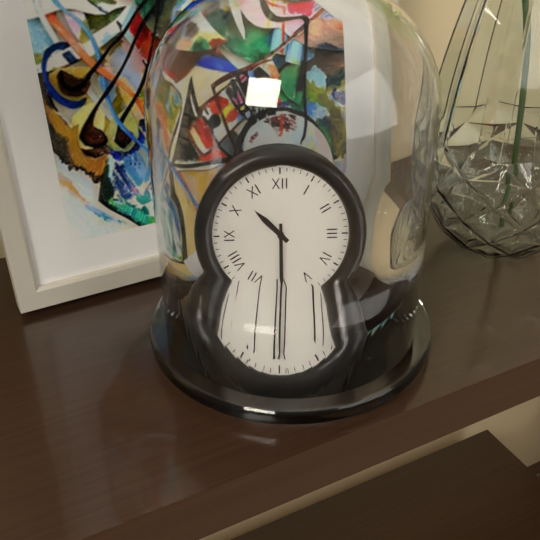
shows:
10,30
